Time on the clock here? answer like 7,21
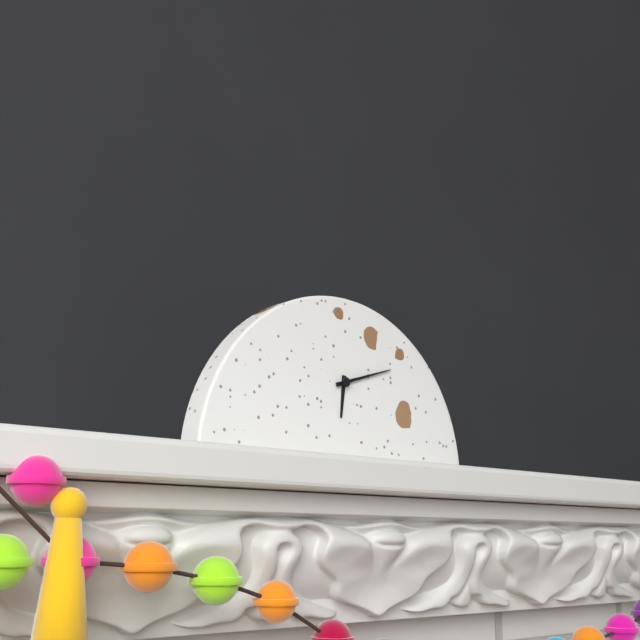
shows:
6,12
